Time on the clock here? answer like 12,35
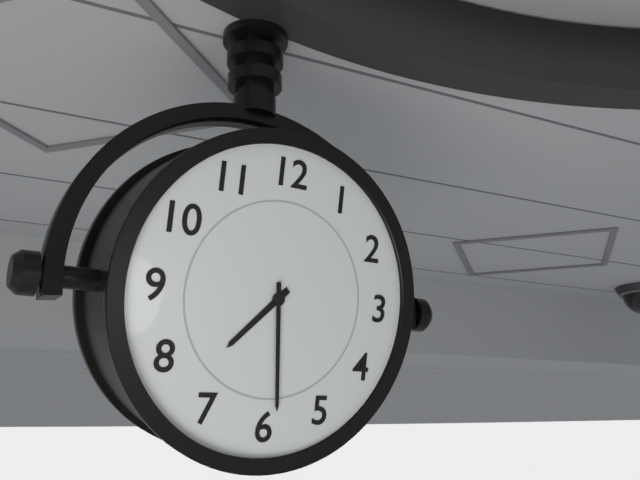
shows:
7,29
